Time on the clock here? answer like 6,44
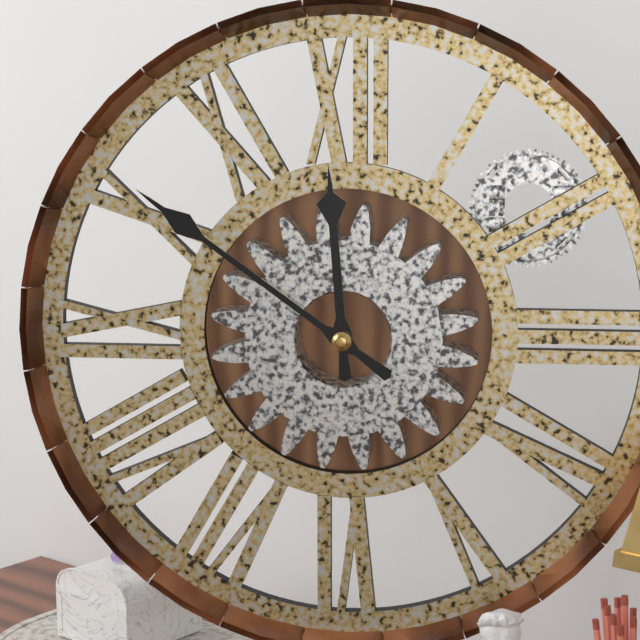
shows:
11,51
